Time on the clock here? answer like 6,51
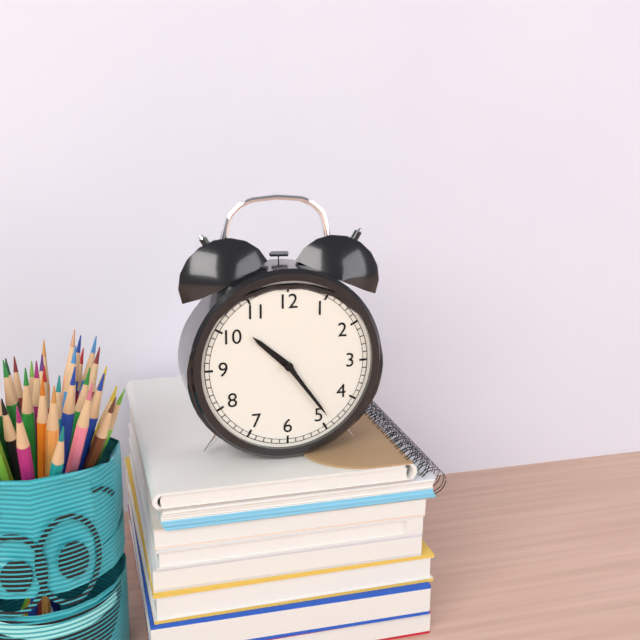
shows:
10,24
